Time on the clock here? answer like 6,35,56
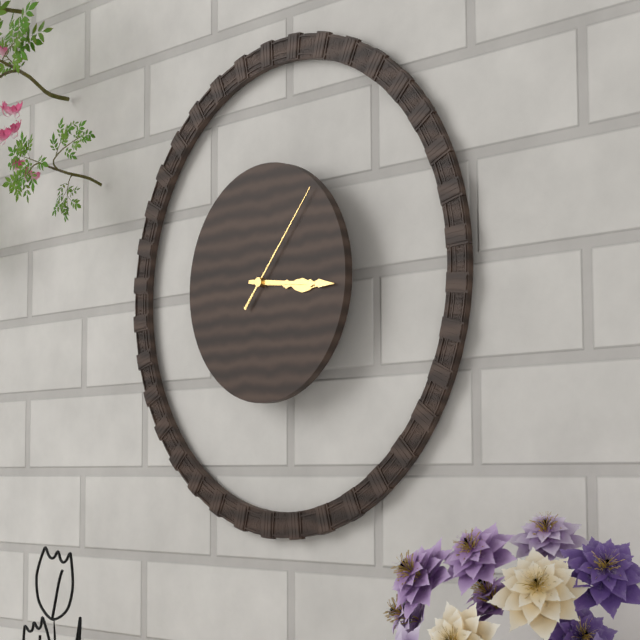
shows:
3,16,07
